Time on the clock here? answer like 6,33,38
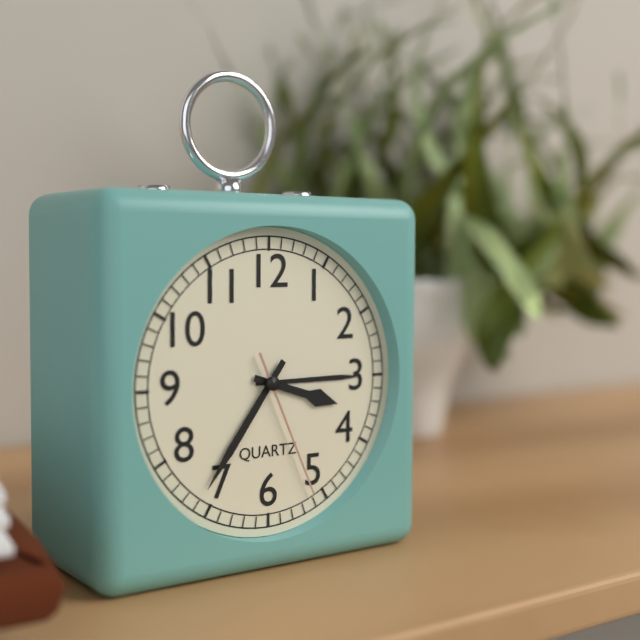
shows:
3,36,26
